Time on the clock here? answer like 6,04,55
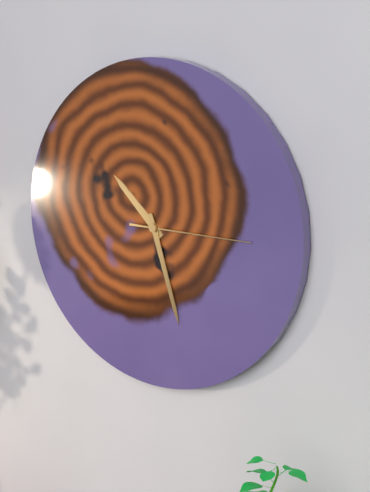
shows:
10,27,15
